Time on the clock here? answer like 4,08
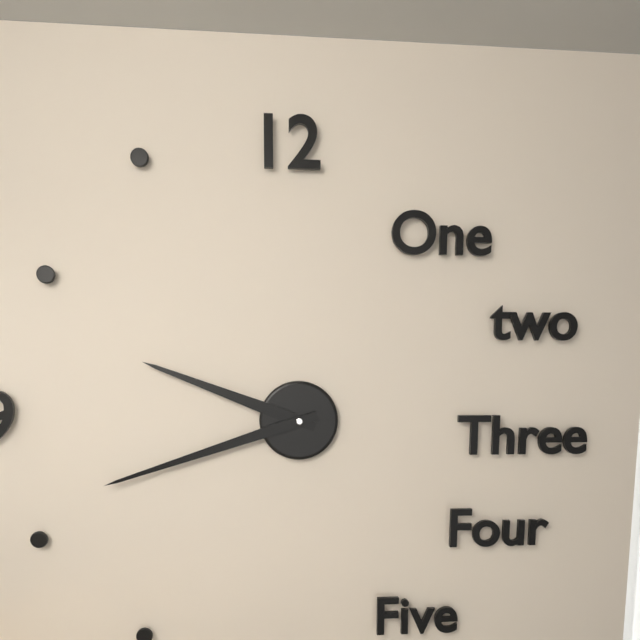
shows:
9,42
